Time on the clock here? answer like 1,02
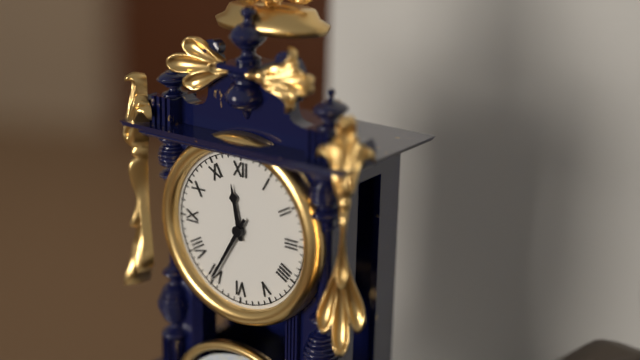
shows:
11,35
